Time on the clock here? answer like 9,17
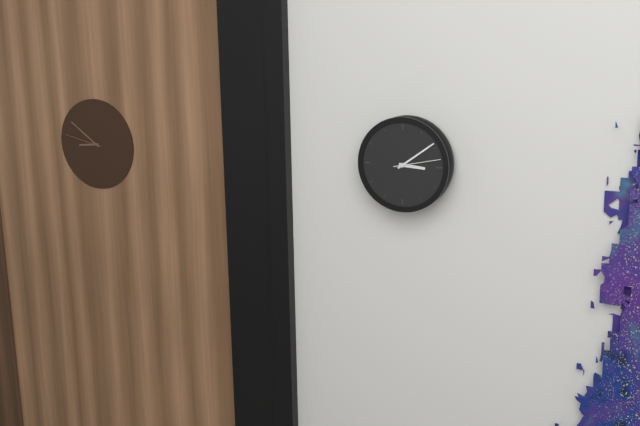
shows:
3,09
